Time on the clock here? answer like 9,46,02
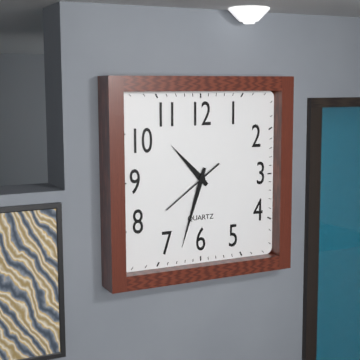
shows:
10,33,39
